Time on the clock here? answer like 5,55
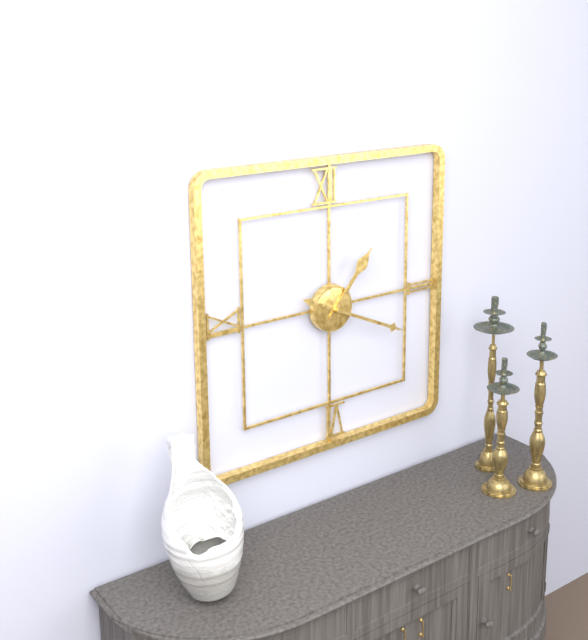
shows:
1,19
